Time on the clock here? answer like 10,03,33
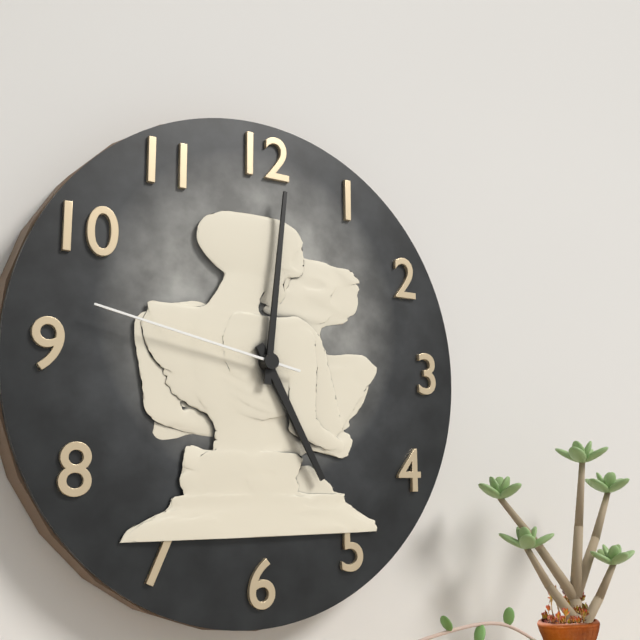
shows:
5,01,47
